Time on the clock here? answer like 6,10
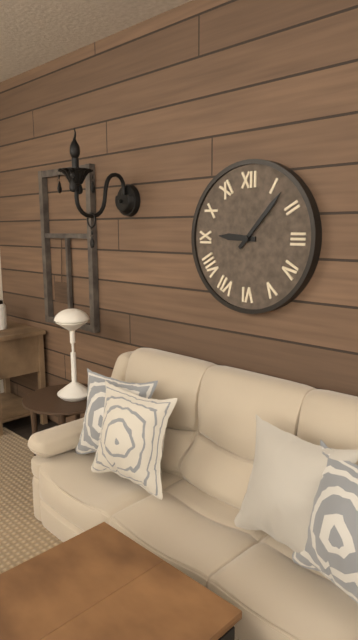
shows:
9,07
